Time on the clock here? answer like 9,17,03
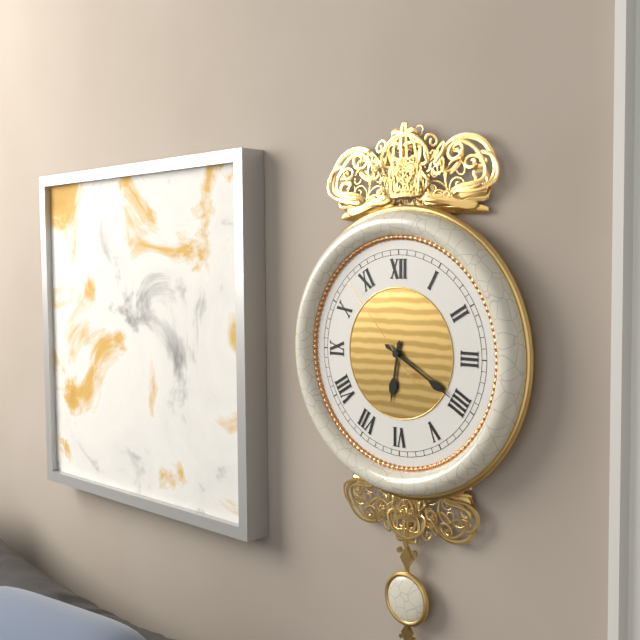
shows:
6,20,53
